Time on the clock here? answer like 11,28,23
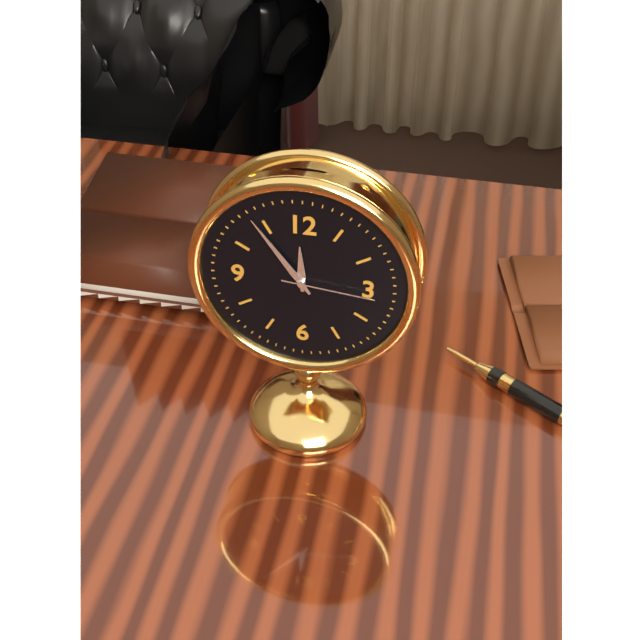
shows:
11,54,16
